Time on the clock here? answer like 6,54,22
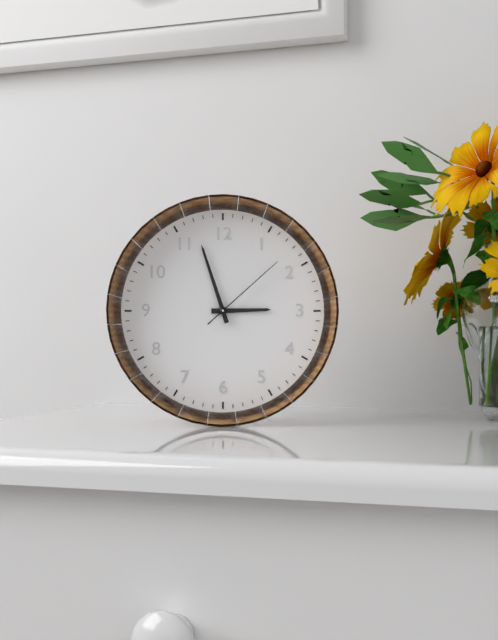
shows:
2,57,08
